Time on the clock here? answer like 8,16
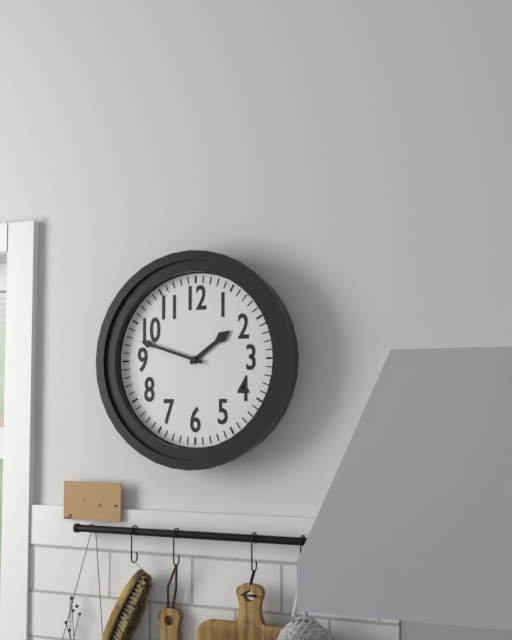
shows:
1,48
